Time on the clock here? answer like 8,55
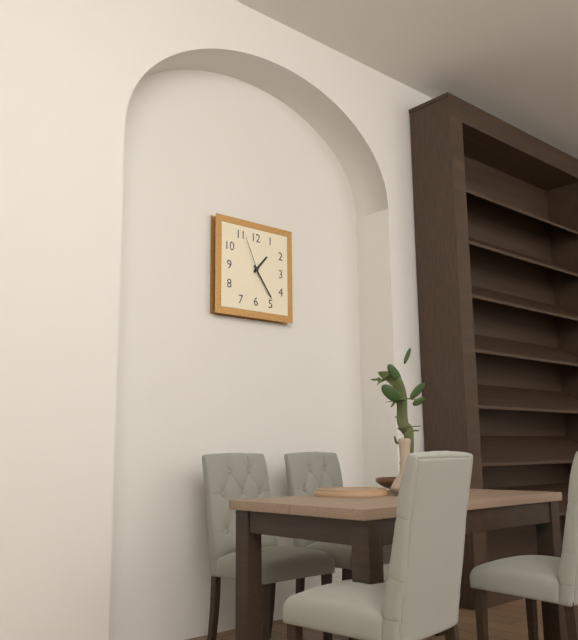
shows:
1,24
